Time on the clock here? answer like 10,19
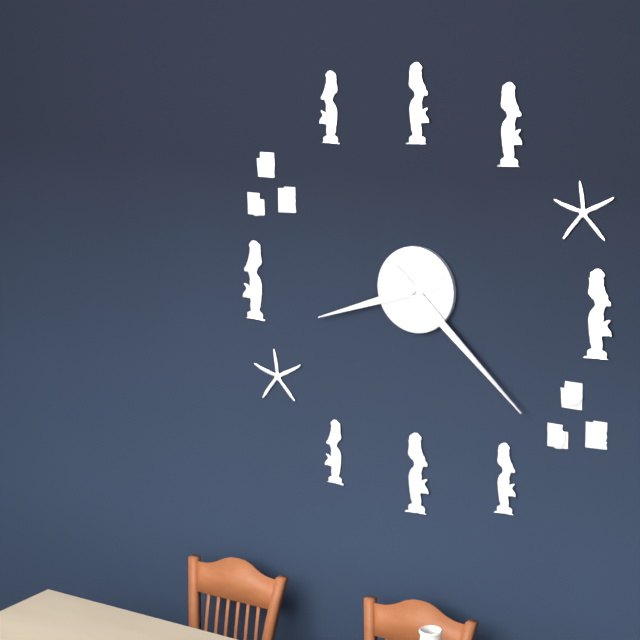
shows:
8,22
